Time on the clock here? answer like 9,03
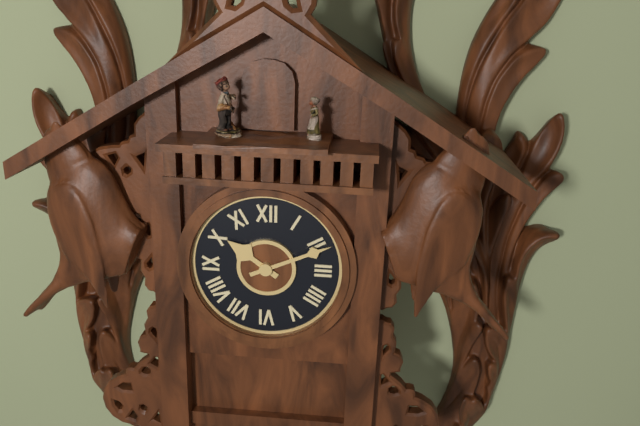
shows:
10,11
